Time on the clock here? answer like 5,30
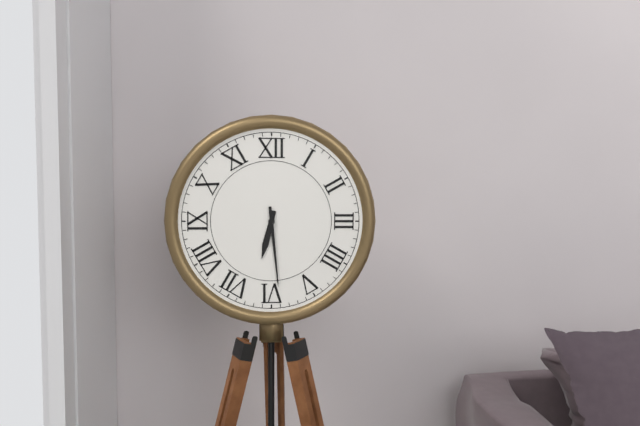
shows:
6,29
